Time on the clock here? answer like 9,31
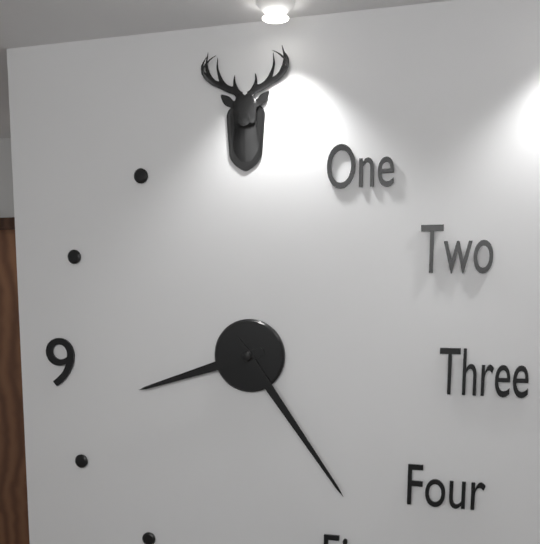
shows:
8,24
